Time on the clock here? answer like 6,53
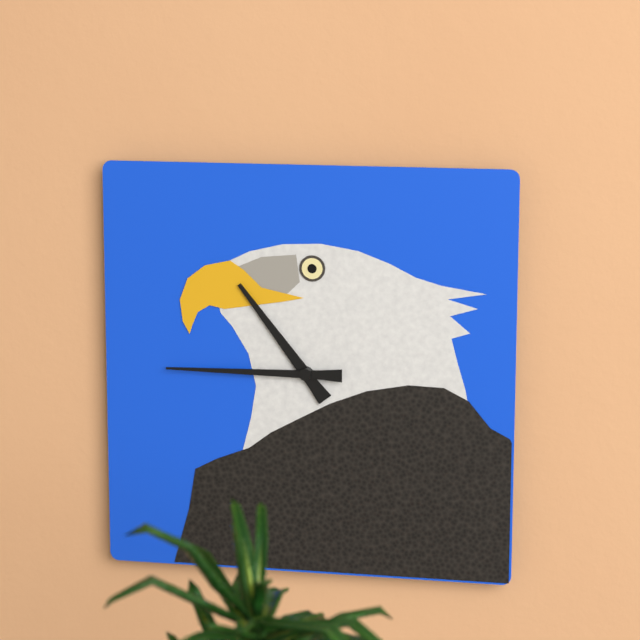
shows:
10,45
